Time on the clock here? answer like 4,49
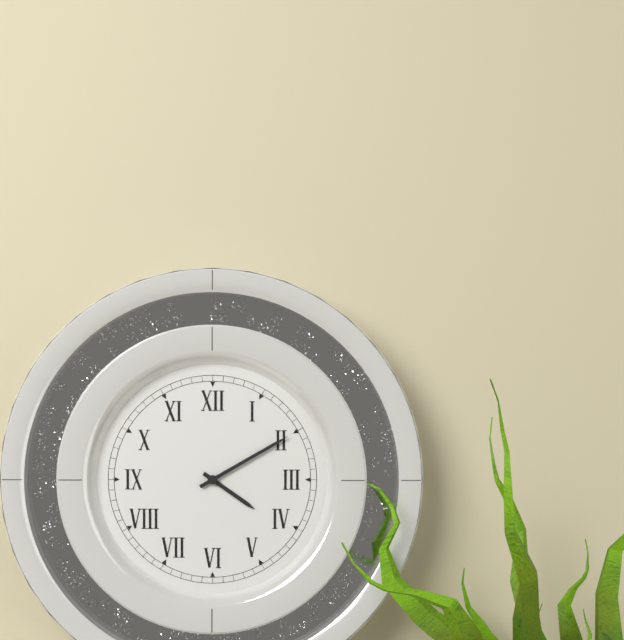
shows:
4,10
